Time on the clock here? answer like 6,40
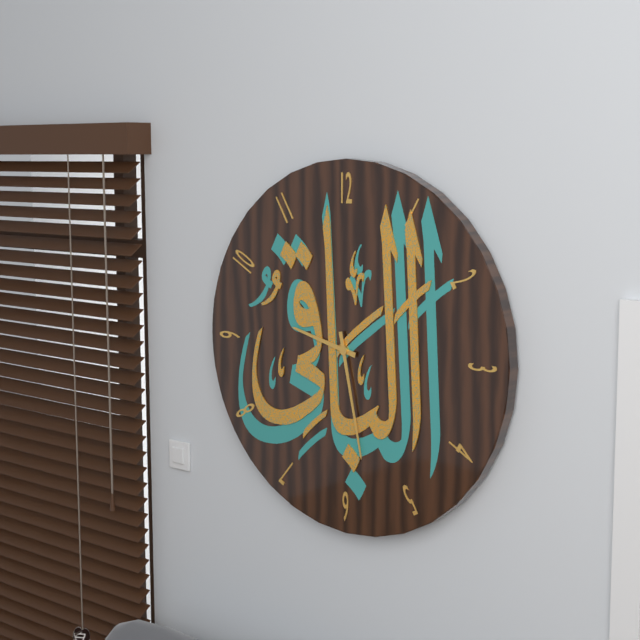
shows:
9,28
